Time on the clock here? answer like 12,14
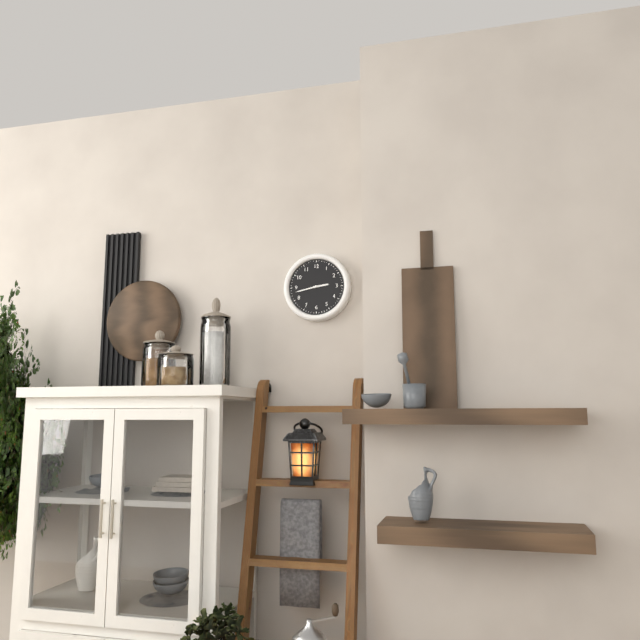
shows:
2,43
